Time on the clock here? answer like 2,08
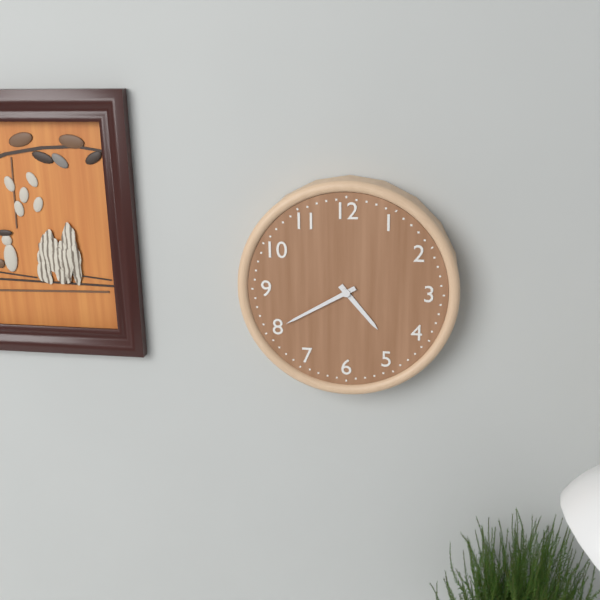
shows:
4,40
